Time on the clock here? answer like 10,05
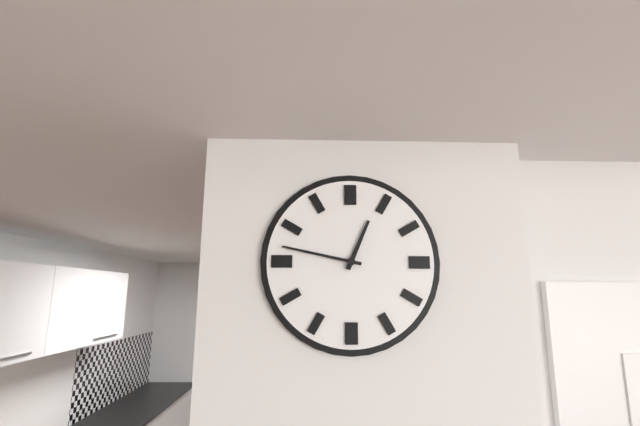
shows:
12,47
